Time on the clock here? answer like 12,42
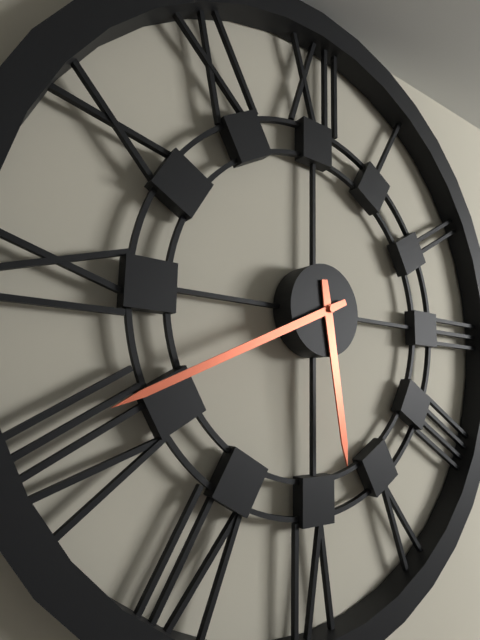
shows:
5,41
